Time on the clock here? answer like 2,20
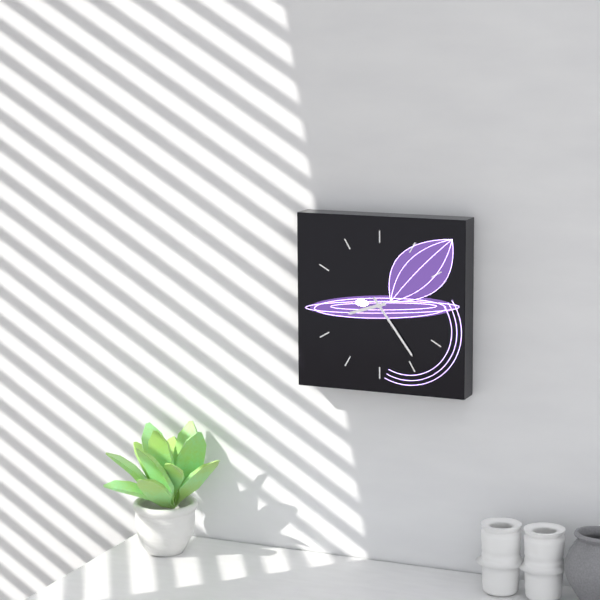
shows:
8,24
